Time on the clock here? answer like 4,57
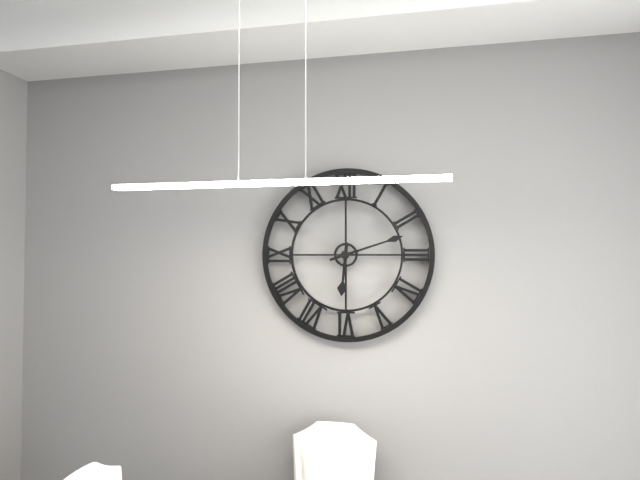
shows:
6,12
